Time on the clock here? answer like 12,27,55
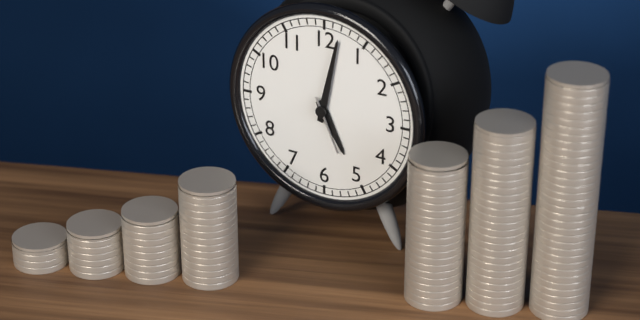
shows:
5,02,26
